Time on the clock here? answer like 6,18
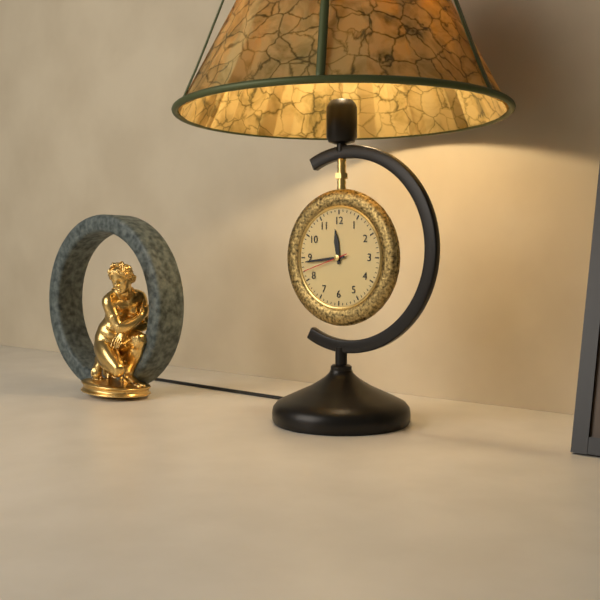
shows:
11,44
